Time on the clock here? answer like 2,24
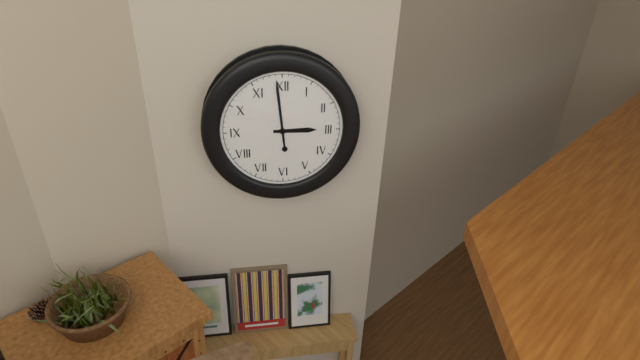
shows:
2,59
